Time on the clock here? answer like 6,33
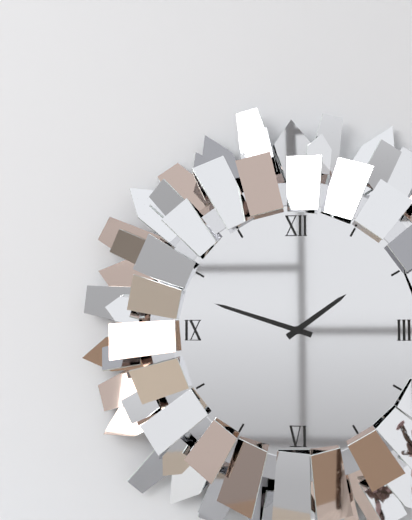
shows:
1,48
